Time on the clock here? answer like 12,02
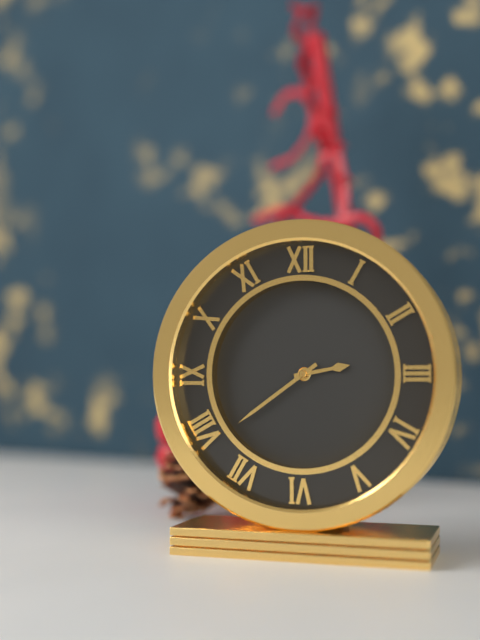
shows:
2,39
